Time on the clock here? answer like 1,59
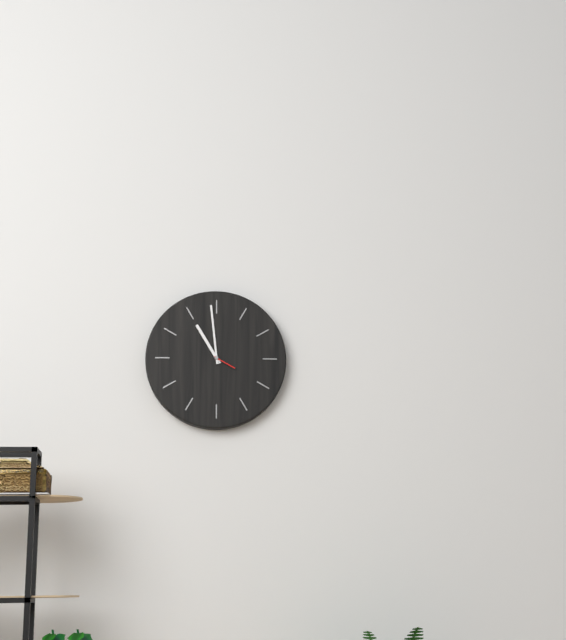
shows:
10,59
